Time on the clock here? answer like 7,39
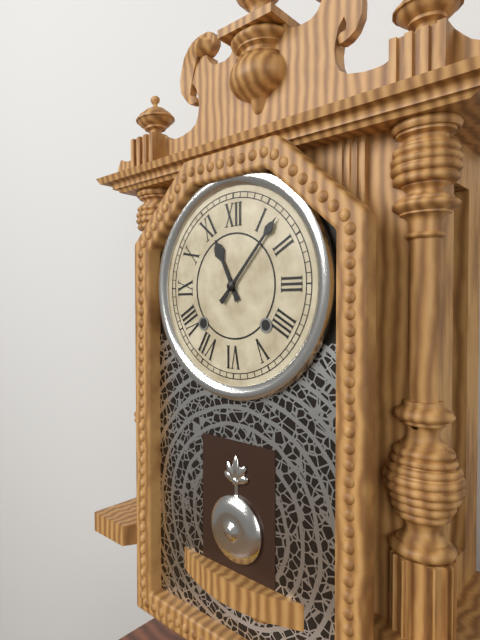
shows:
11,07
